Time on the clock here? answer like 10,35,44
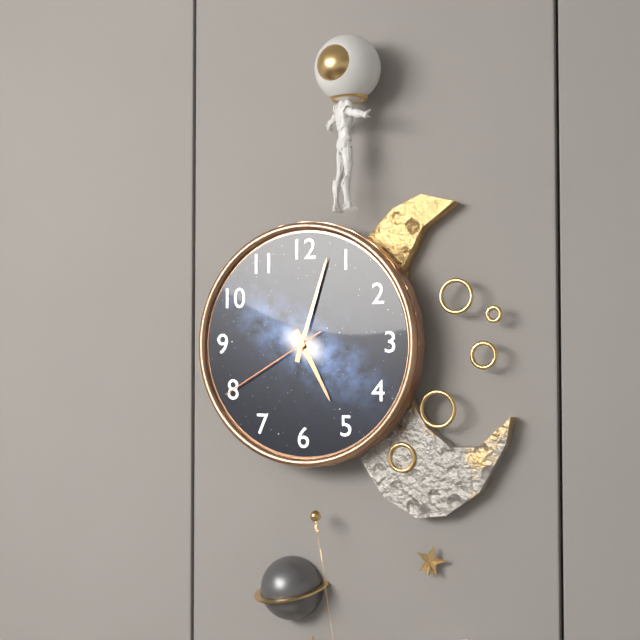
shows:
5,03,40
